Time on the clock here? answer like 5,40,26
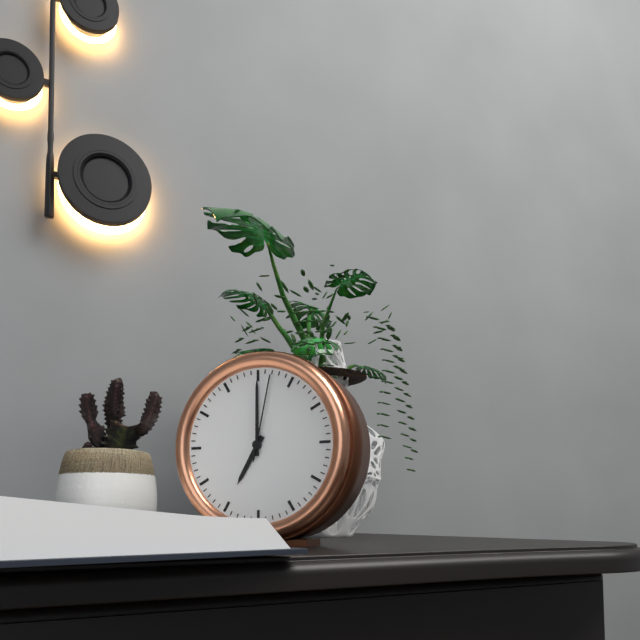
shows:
7,00,02
